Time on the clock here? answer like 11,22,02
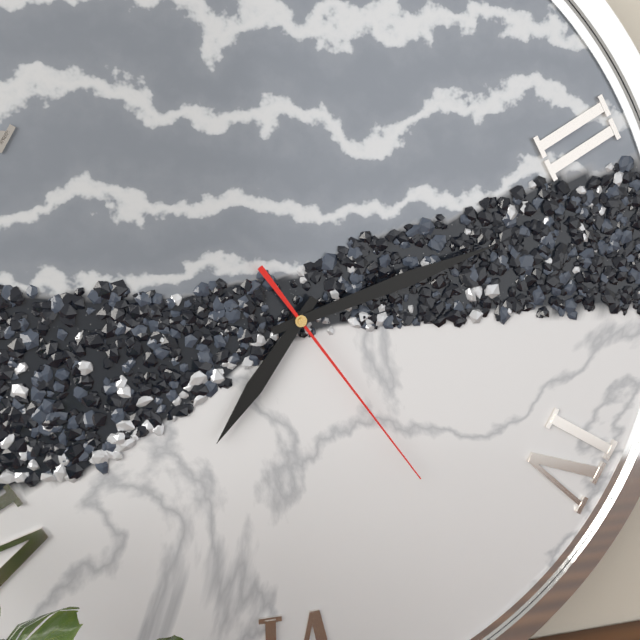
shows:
7,12,24
